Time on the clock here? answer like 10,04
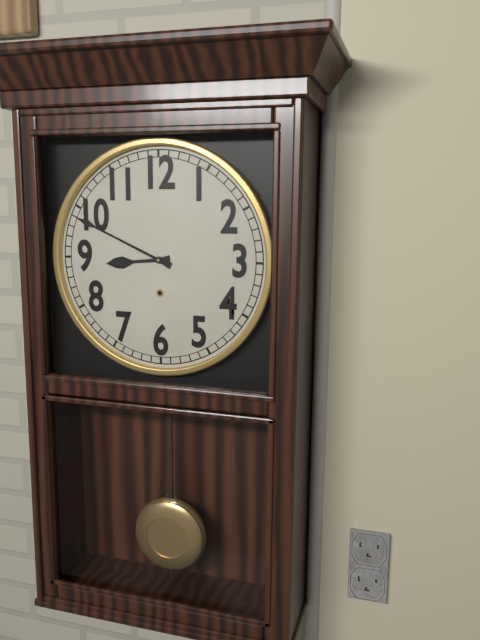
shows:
8,49
